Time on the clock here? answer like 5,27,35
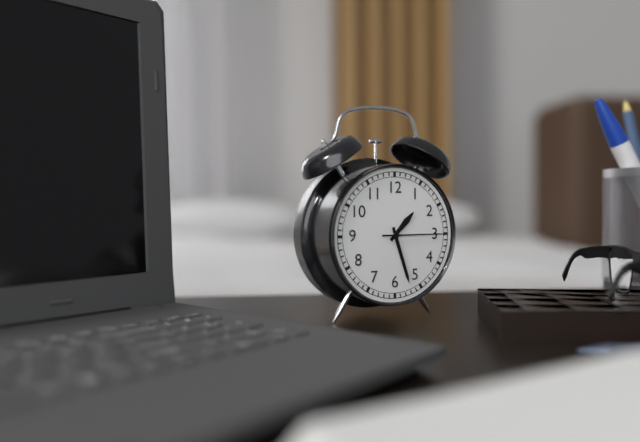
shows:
1,27,15
